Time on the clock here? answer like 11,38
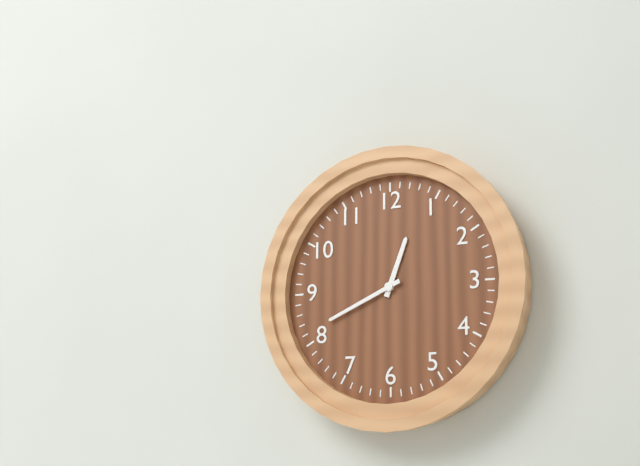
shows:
12,41
